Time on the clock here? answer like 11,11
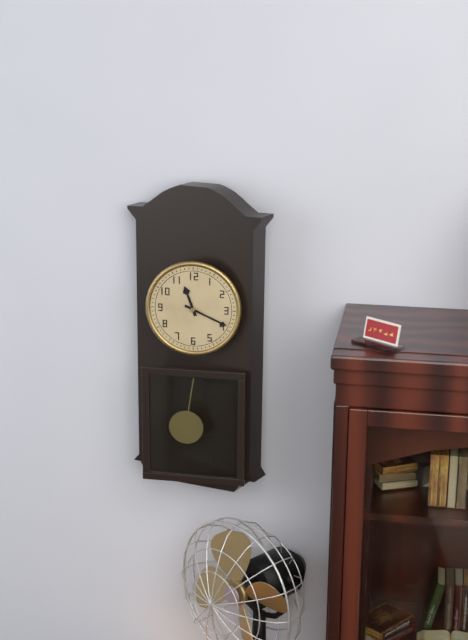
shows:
11,19
